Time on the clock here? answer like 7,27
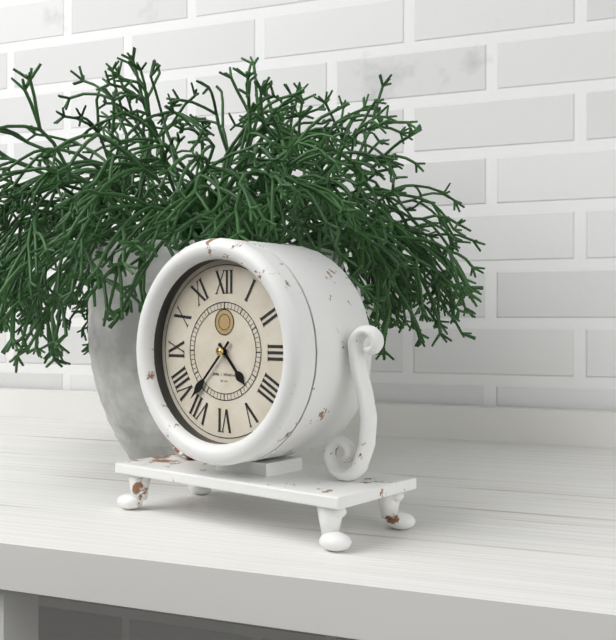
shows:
4,37
